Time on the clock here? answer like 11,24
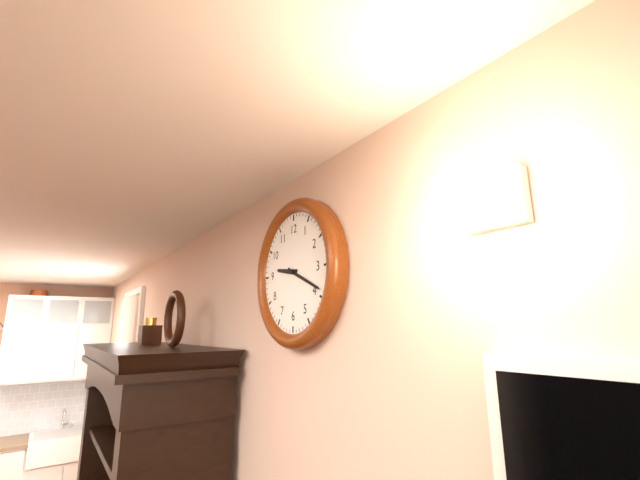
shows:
9,19
